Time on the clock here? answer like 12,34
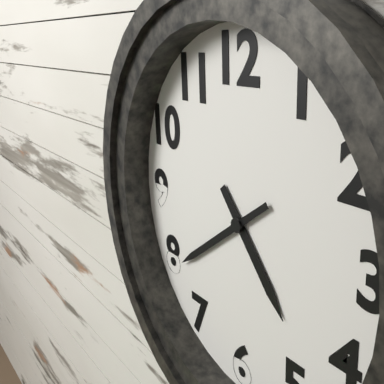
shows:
4,39
